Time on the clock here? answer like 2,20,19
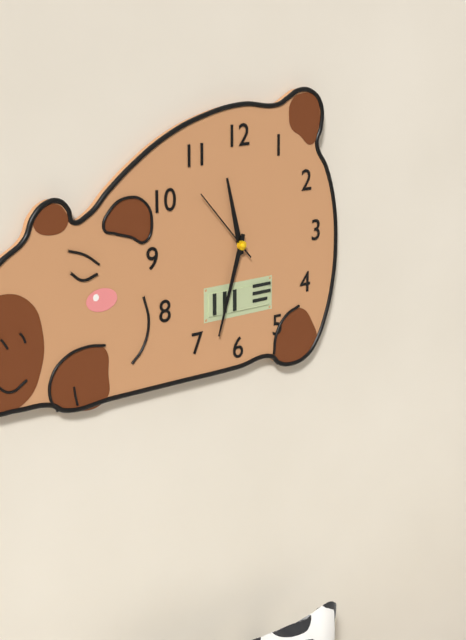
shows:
11,33,53
